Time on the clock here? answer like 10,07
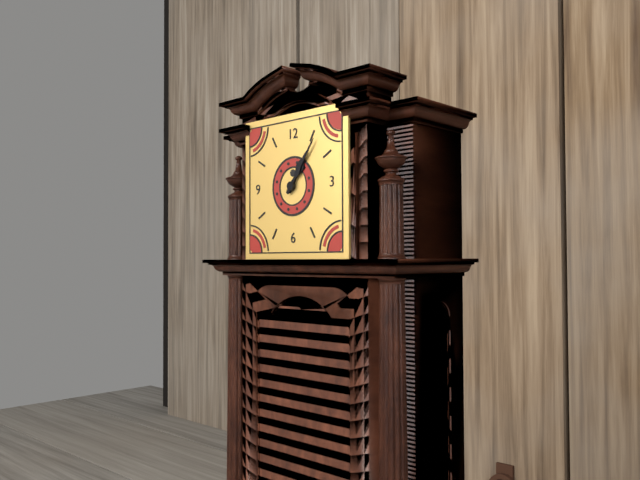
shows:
1,06
